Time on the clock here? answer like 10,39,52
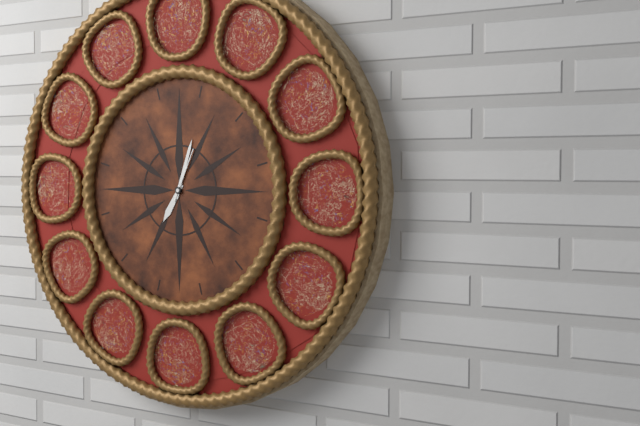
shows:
7,03,04
